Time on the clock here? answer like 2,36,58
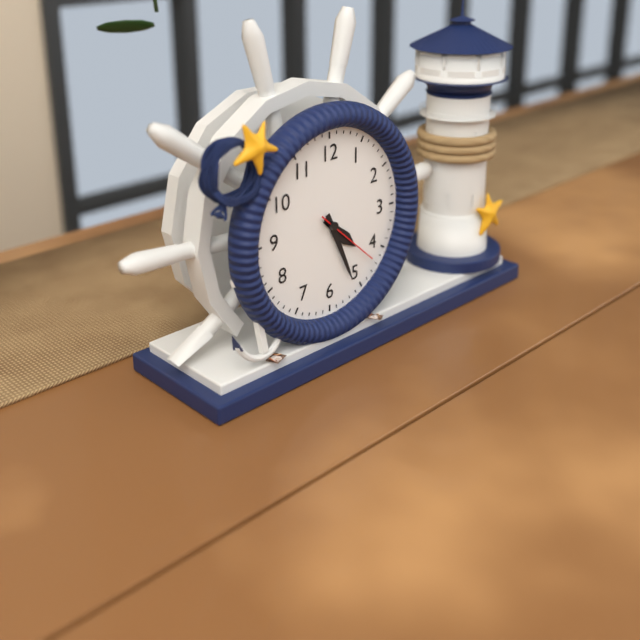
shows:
4,26,22
